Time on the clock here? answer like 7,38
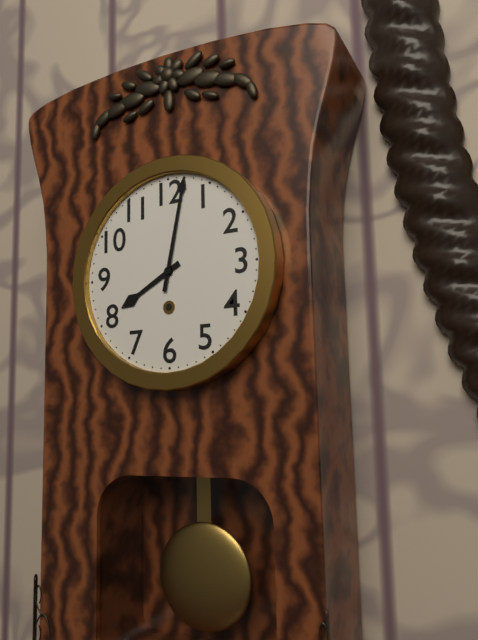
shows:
8,02
